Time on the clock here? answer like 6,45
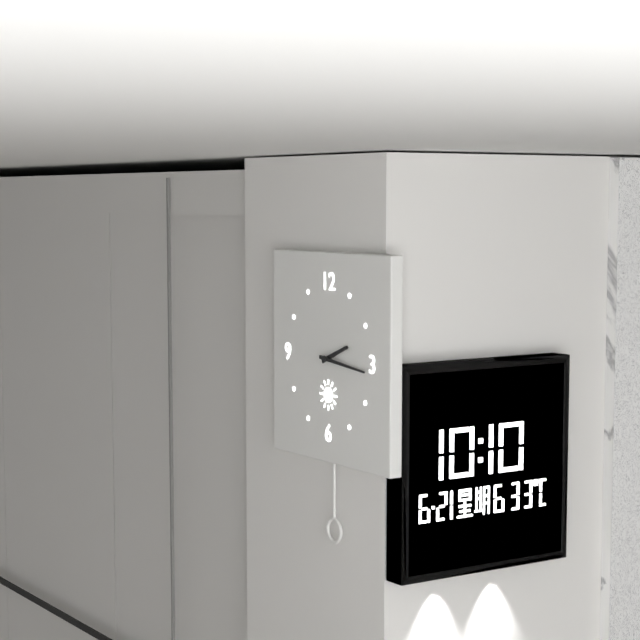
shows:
2,16
